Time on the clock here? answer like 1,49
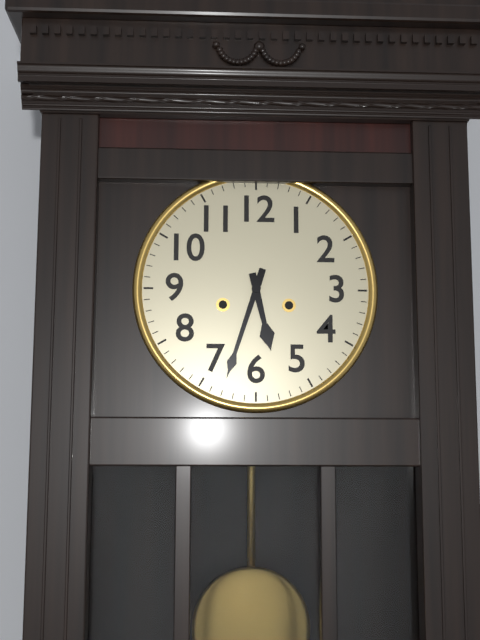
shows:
5,33
